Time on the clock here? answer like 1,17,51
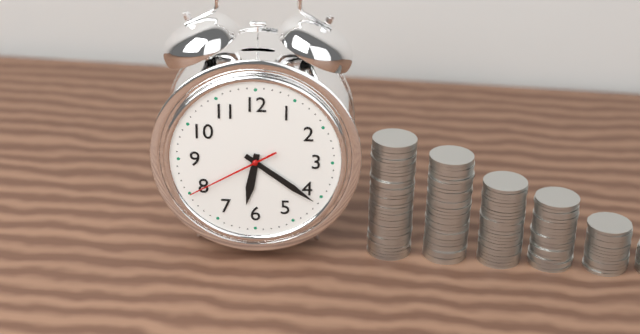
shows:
6,21,40
